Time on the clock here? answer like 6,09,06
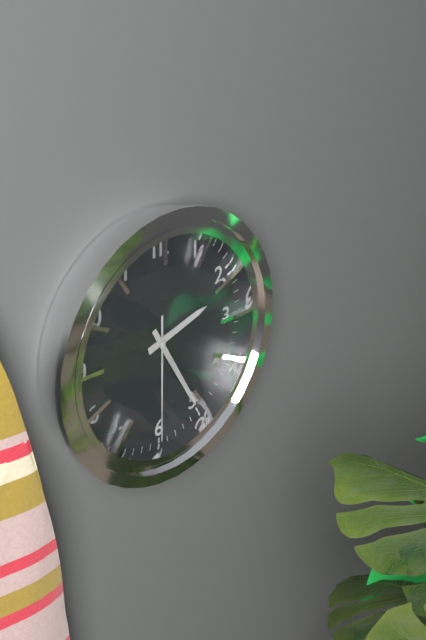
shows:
2,25,30
